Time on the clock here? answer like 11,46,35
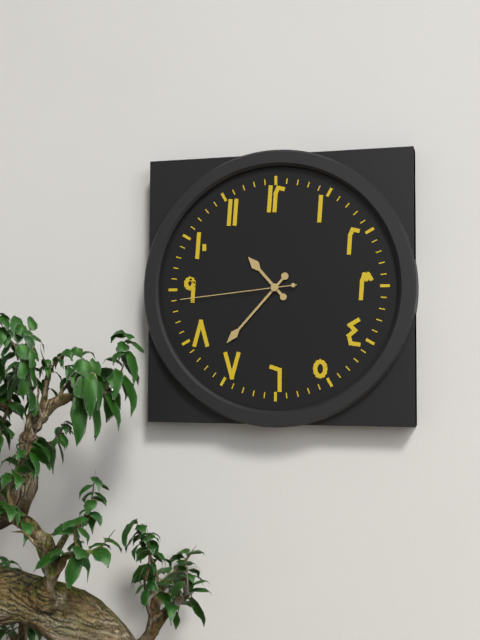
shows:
10,37,44
